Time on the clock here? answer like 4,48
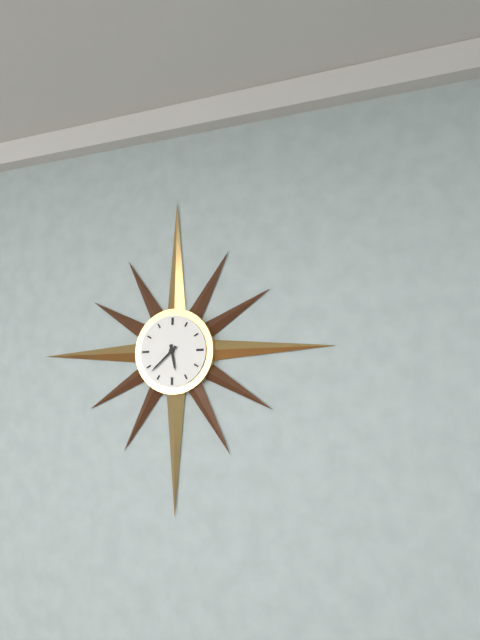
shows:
5,38
